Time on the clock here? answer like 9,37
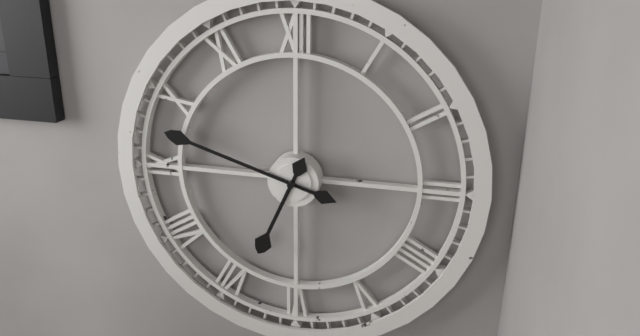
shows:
6,48
